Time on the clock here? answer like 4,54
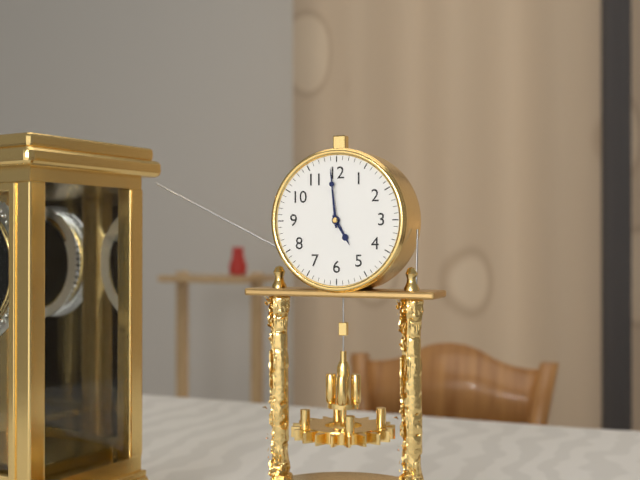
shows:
4,59
